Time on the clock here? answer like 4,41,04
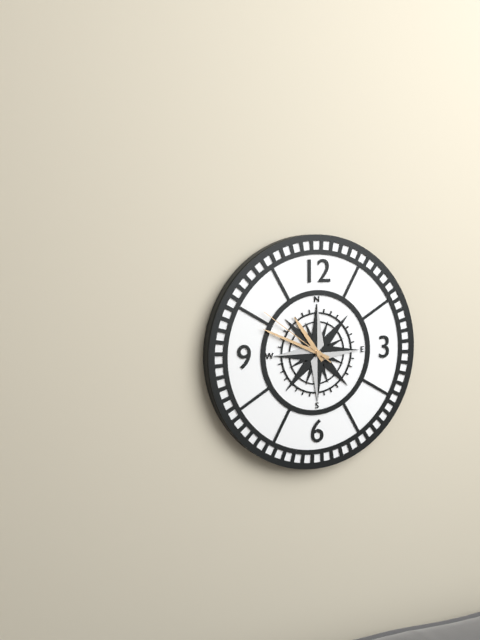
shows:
10,49,51
